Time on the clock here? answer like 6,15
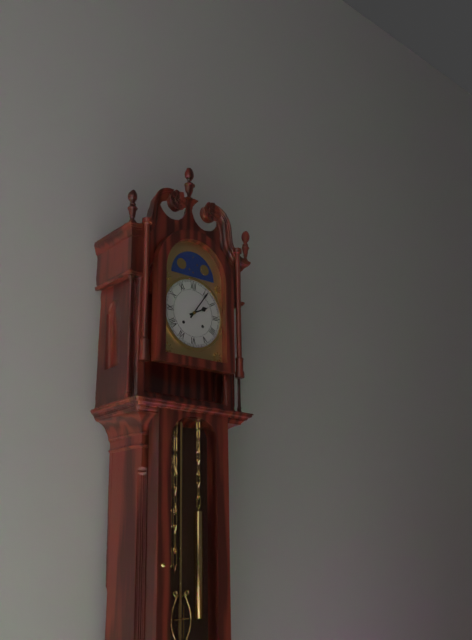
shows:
2,06
